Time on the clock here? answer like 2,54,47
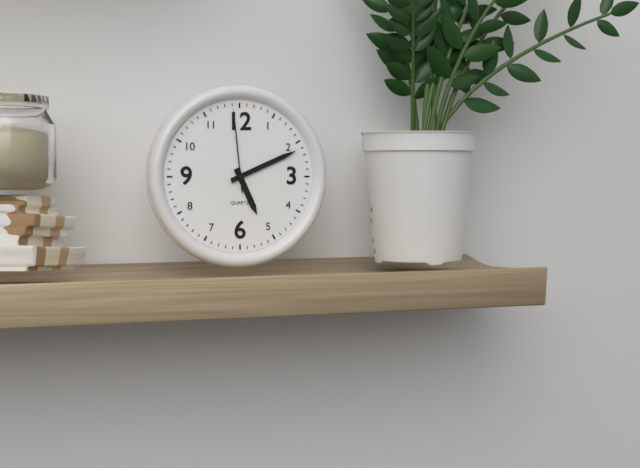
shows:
5,11,59
